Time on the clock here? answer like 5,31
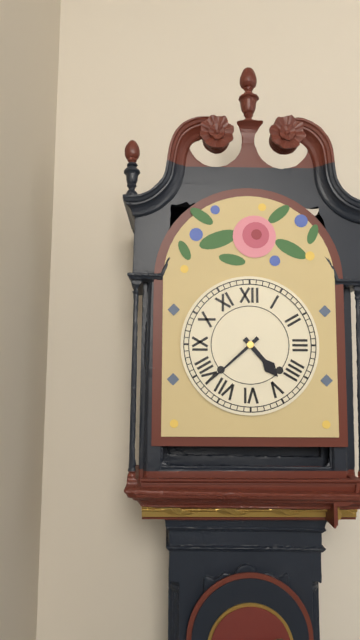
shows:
4,38
